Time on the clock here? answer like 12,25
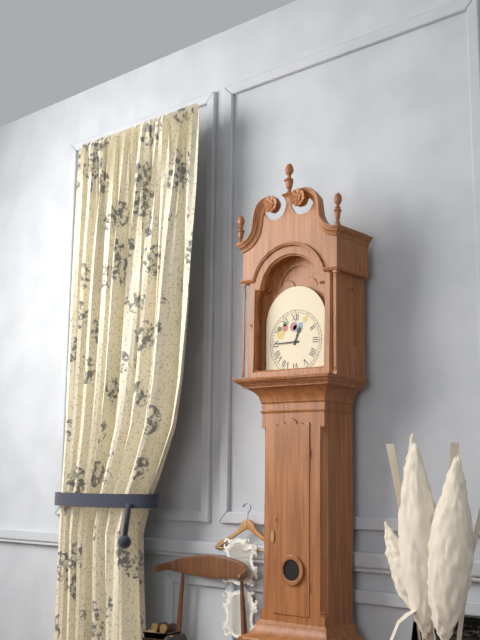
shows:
12,45
